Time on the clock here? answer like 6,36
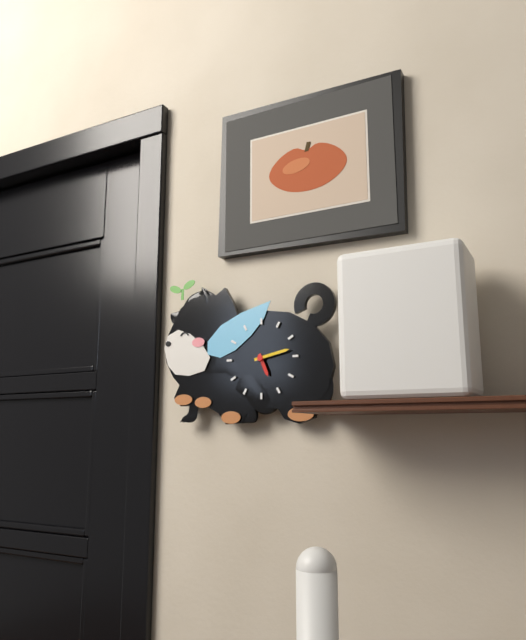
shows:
5,13
